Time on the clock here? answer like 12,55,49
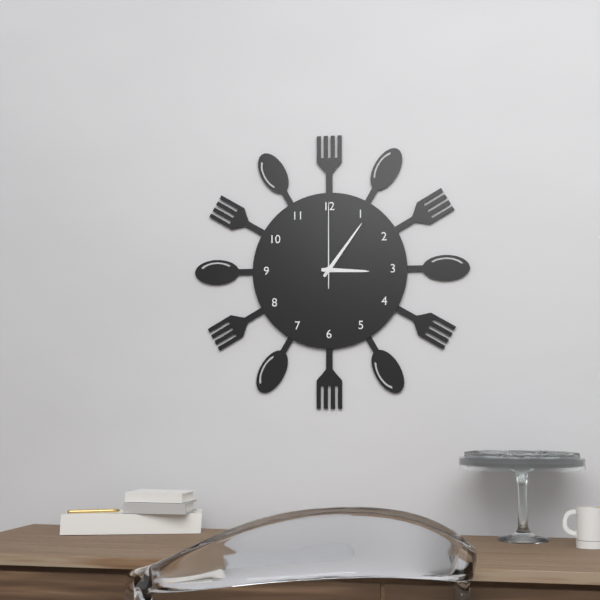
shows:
3,06,00
